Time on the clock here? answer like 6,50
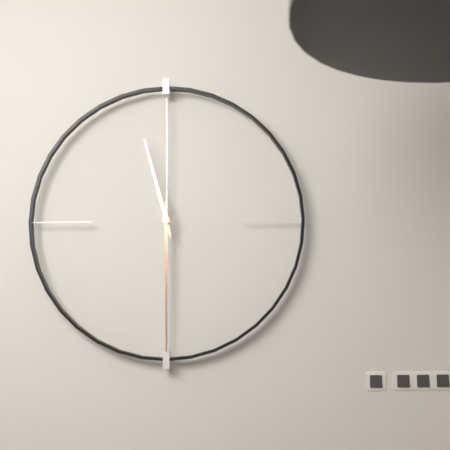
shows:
11,30
